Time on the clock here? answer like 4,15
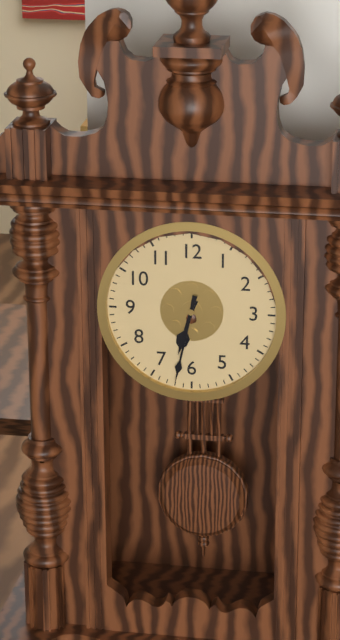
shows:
6,32
